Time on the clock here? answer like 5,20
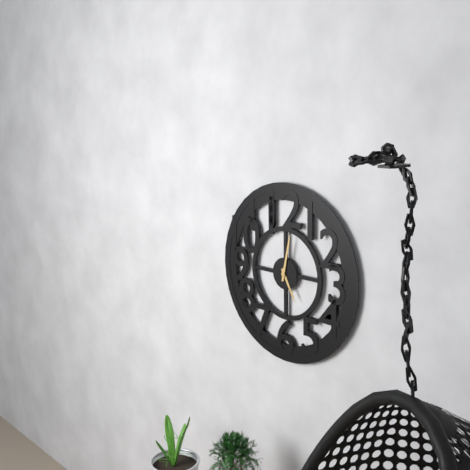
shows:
5,02
